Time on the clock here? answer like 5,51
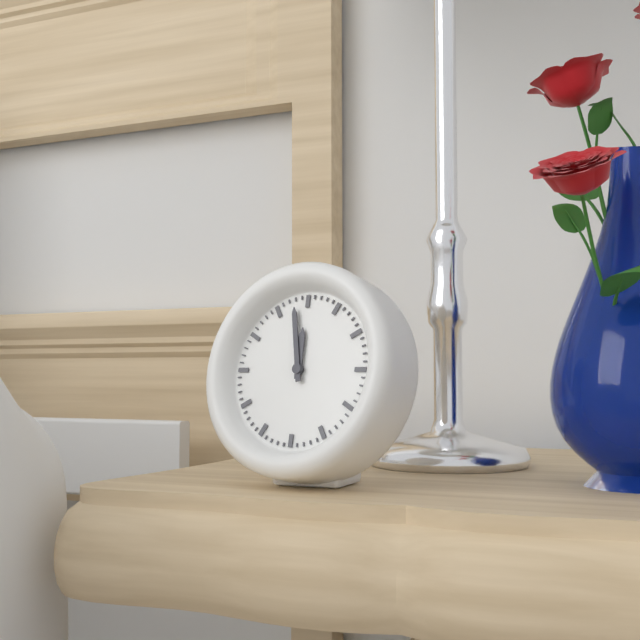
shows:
11,58
